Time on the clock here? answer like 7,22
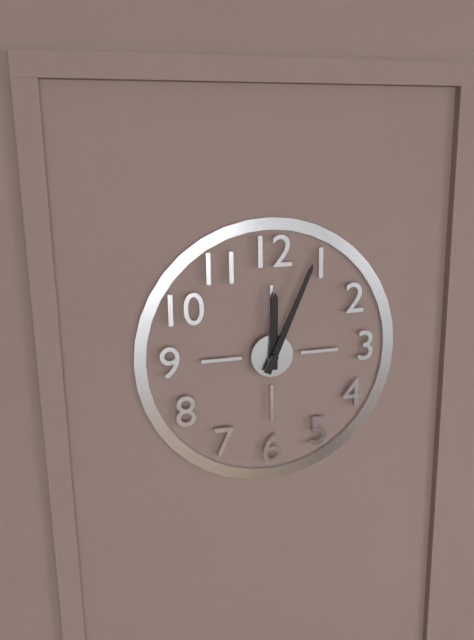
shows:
12,04
